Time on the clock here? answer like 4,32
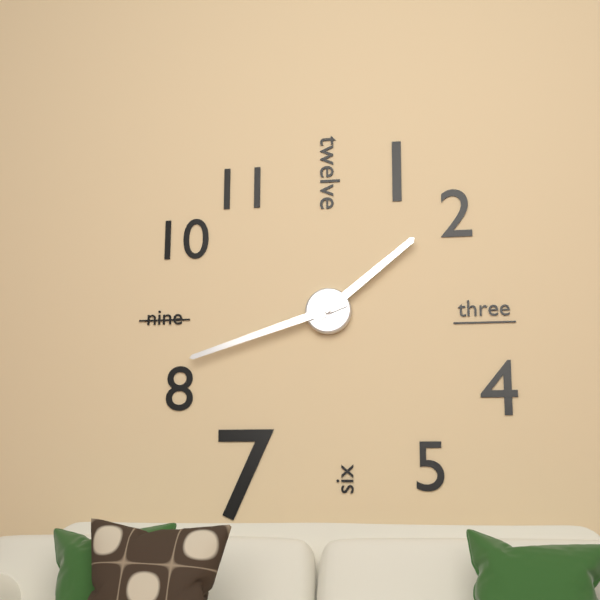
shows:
1,42
